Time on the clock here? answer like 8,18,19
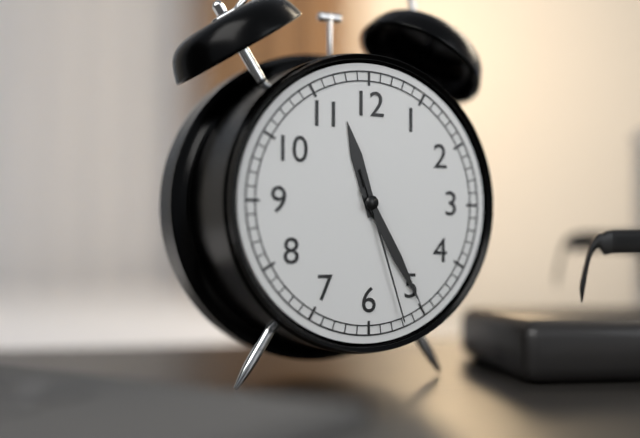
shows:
11,25,27
